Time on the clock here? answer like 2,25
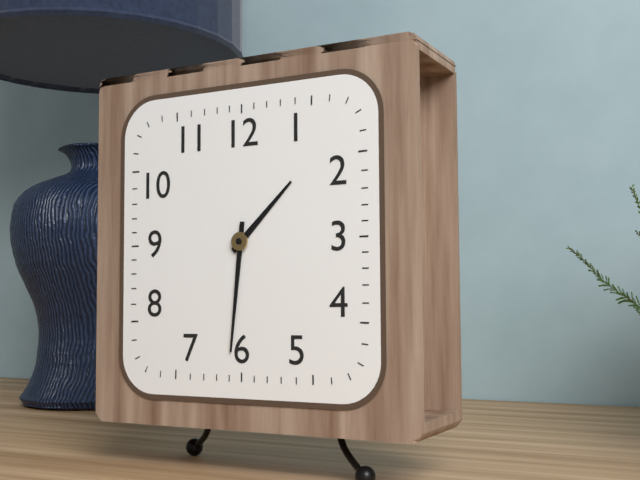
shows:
1,31
